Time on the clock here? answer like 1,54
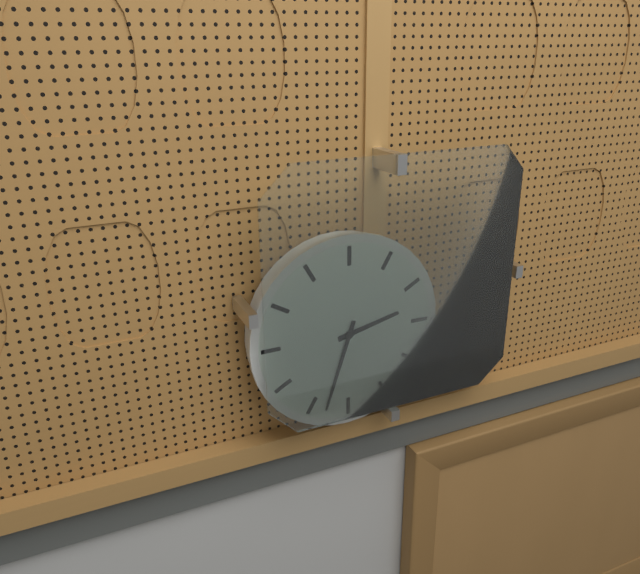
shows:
2,33
